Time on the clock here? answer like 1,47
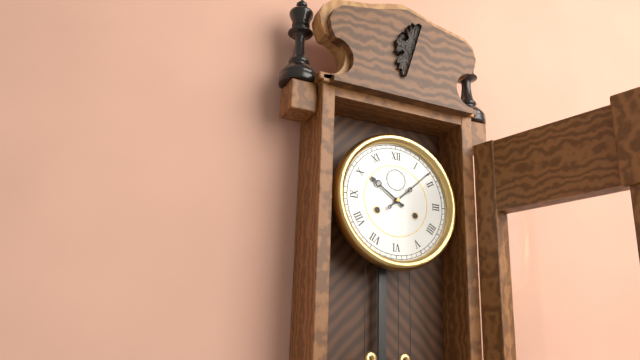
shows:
10,08
